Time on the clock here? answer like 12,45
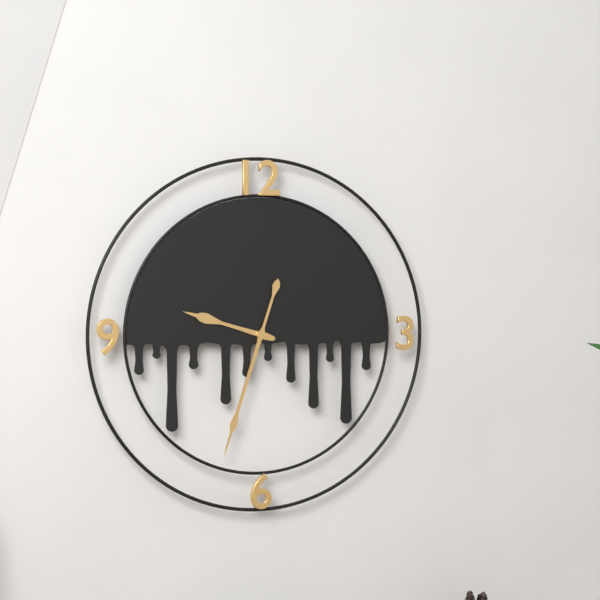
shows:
9,33
